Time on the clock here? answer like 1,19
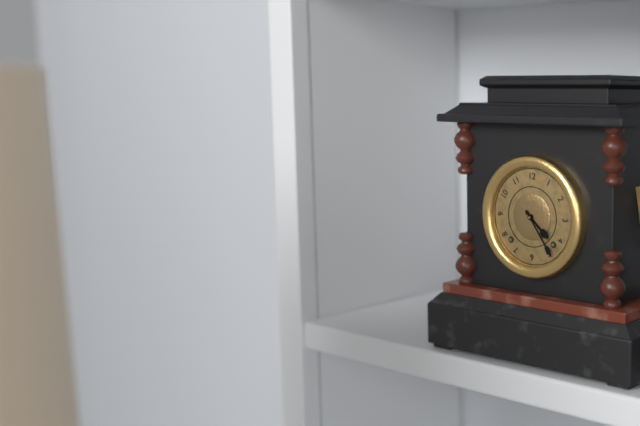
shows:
4,24
